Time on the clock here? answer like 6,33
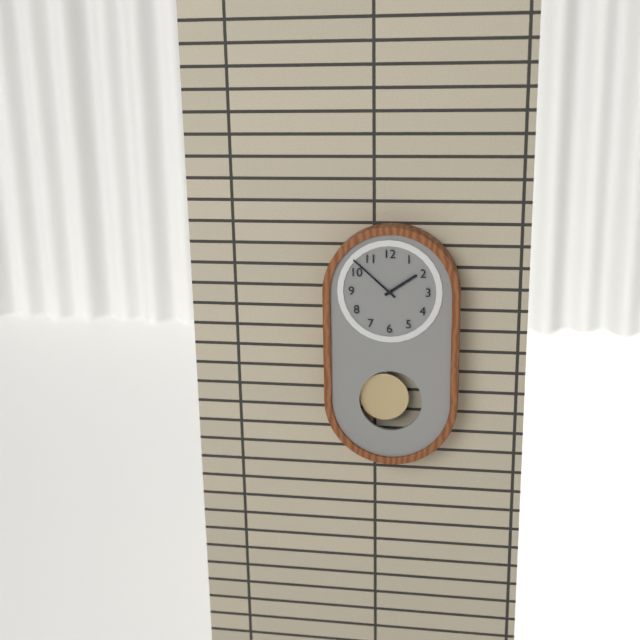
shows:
1,52
